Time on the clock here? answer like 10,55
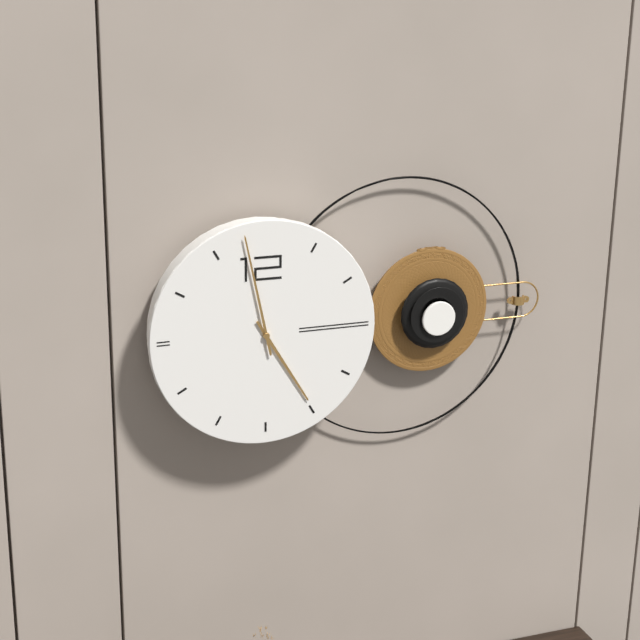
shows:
4,58
